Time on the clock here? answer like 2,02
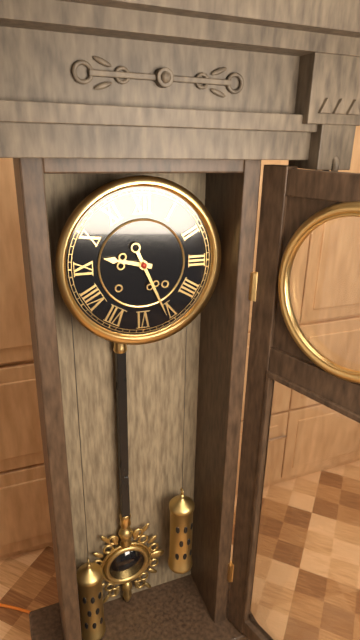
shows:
9,26
